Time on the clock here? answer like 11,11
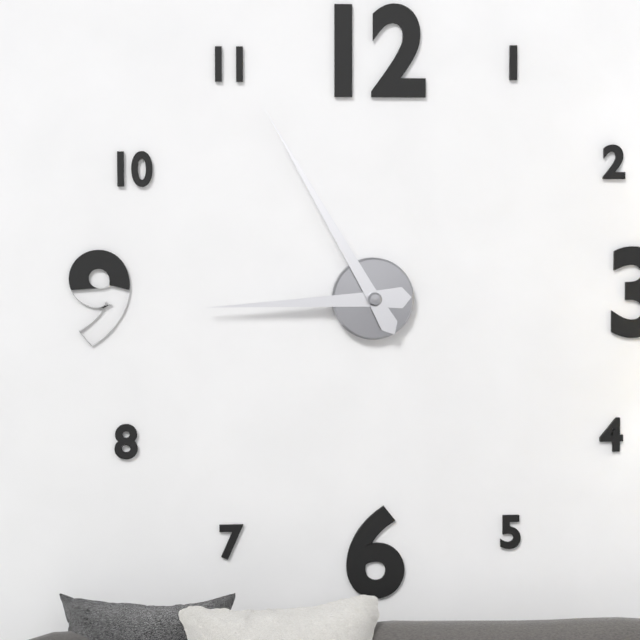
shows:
8,55
